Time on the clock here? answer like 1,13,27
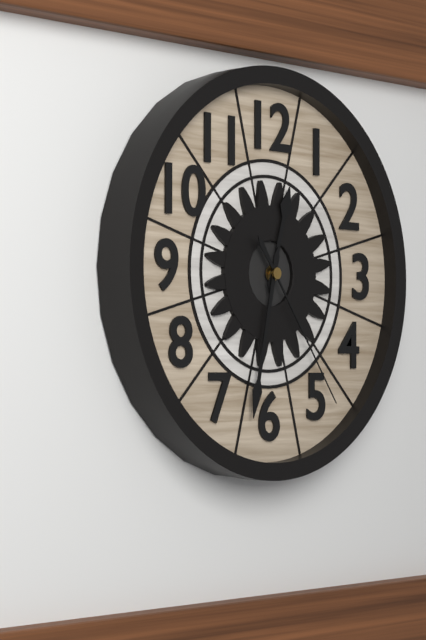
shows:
12,32,24
